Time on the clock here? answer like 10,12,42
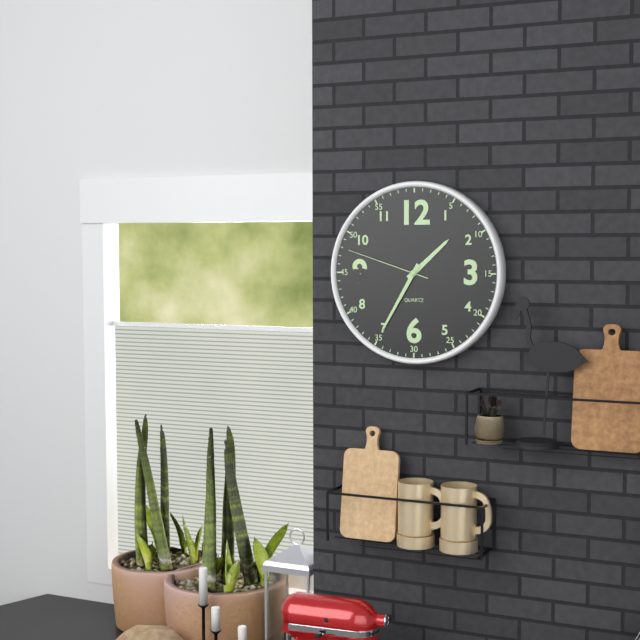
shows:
1,35,48
